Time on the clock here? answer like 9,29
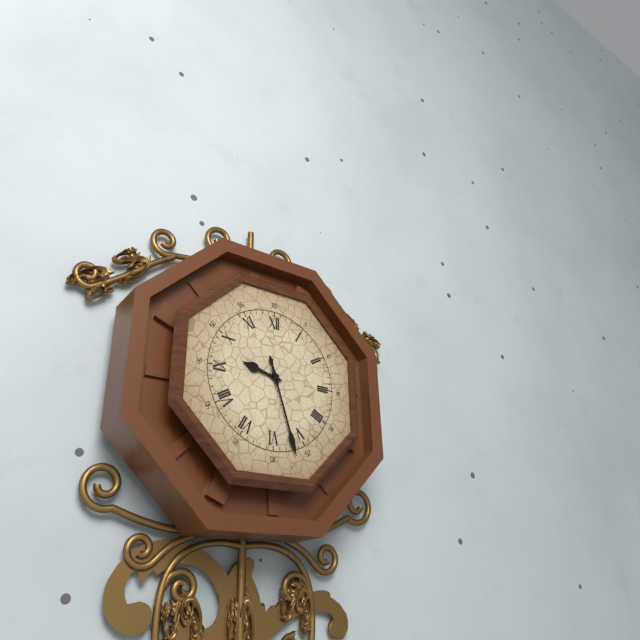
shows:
9,27
